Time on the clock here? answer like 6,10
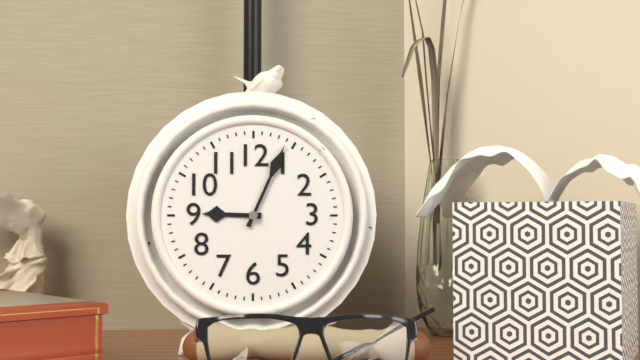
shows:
9,04
